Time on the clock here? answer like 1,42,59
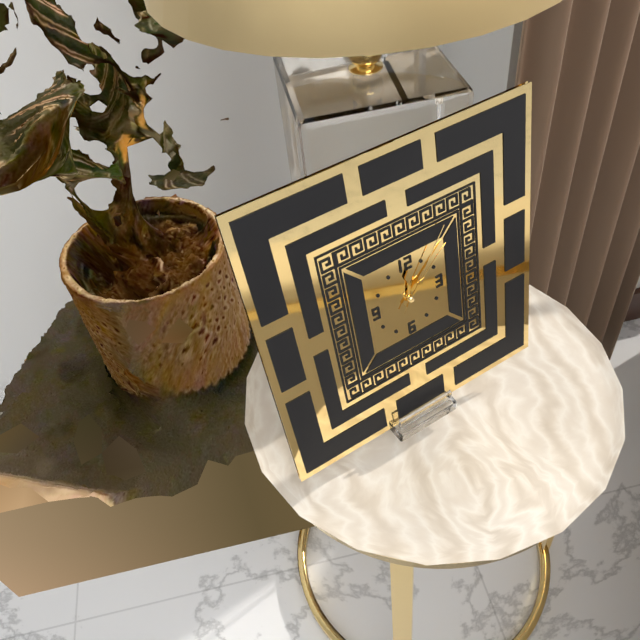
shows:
12,08,06
